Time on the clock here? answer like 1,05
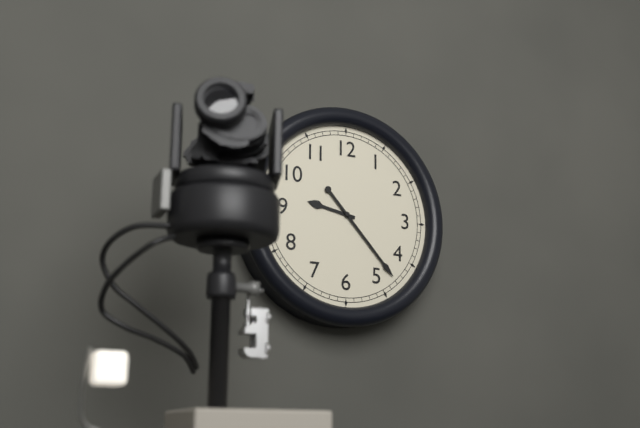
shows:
9,23
